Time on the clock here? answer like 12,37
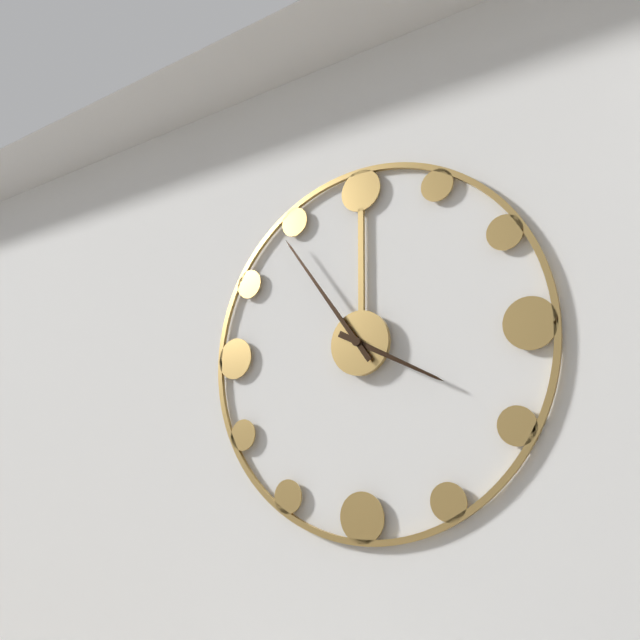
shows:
3,54
